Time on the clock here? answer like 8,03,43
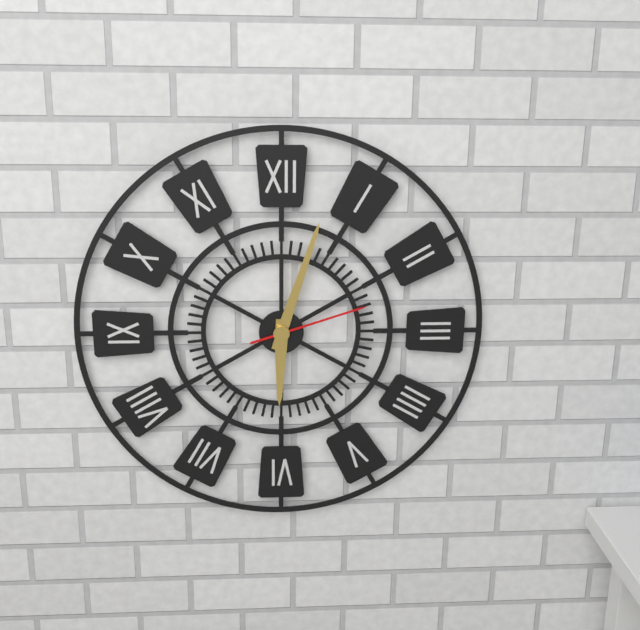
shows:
6,03,12
